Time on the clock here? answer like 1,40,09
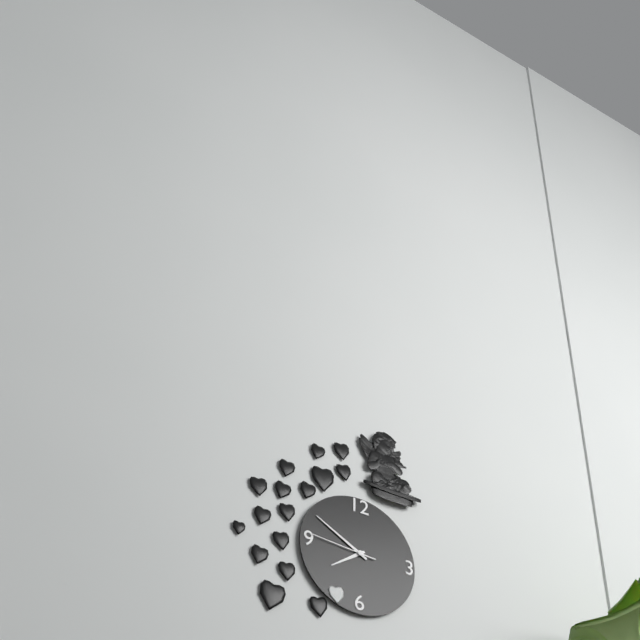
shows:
7,50,46
